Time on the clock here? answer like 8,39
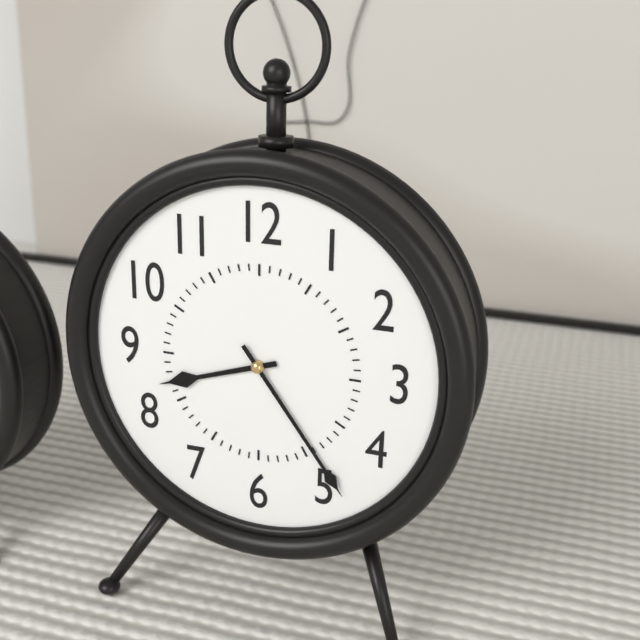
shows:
8,24
